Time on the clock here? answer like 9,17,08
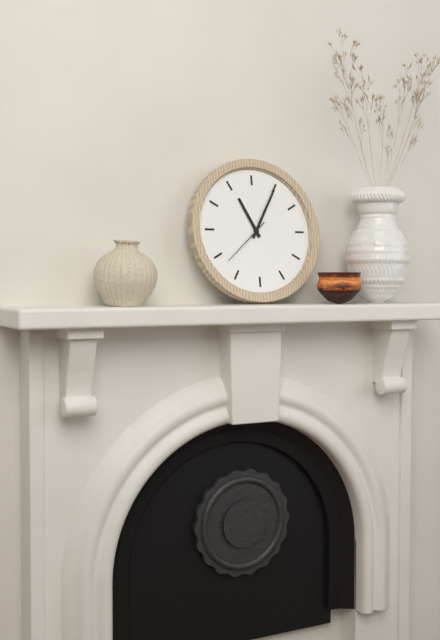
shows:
11,05,38
